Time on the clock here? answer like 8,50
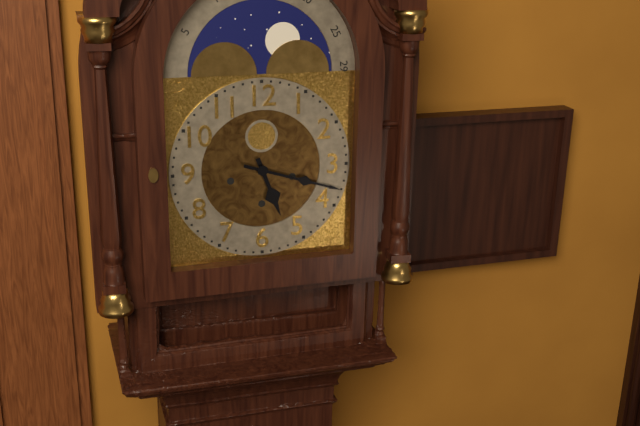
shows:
5,18
